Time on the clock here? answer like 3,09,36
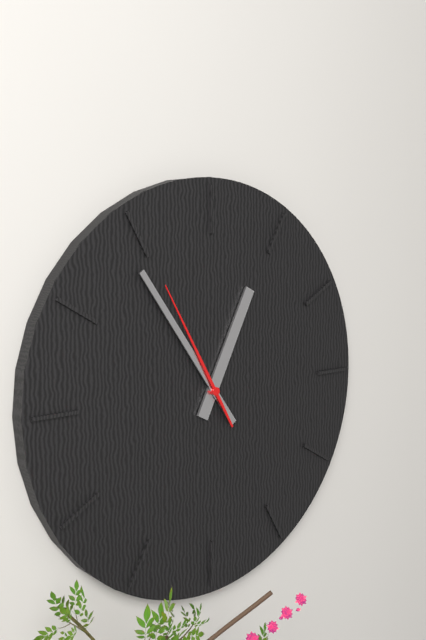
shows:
12,54,55
